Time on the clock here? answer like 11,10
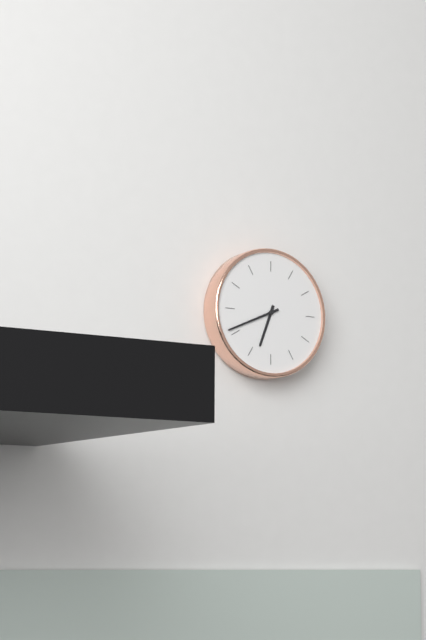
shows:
6,41
